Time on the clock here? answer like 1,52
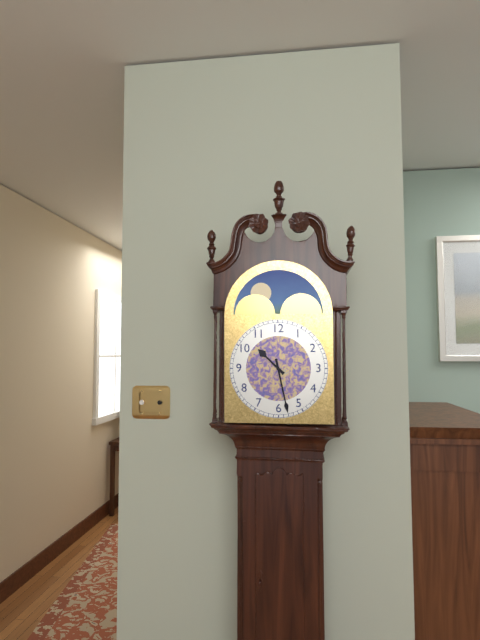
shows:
10,28
